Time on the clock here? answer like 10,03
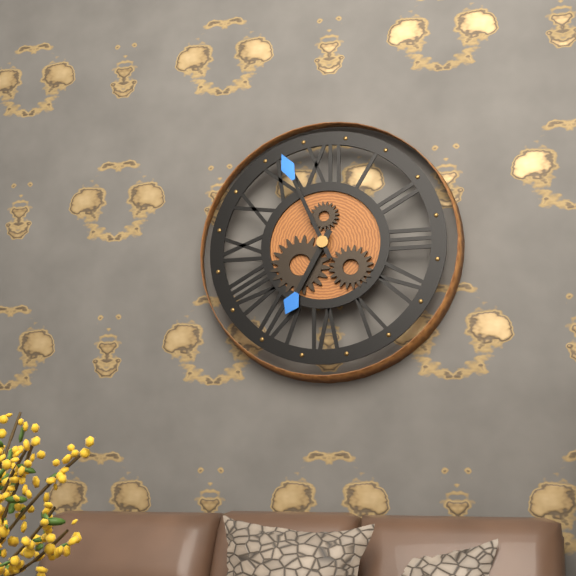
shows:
6,56
